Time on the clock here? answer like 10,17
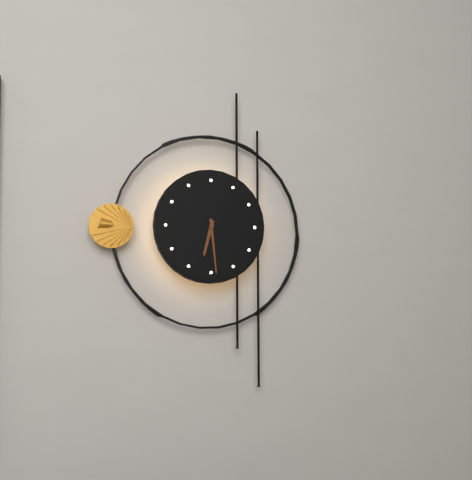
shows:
6,29
